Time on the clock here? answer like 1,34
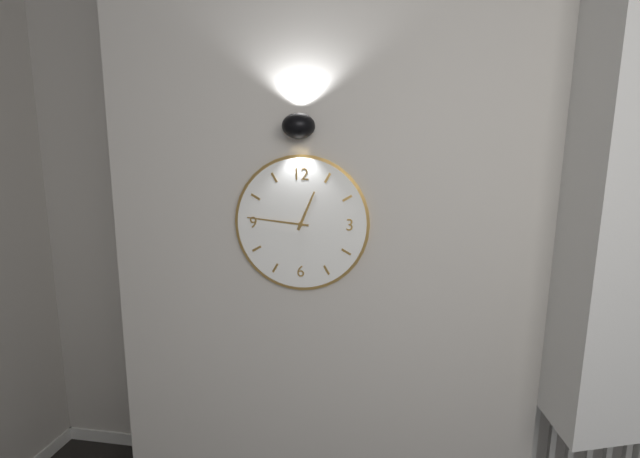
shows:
12,46
